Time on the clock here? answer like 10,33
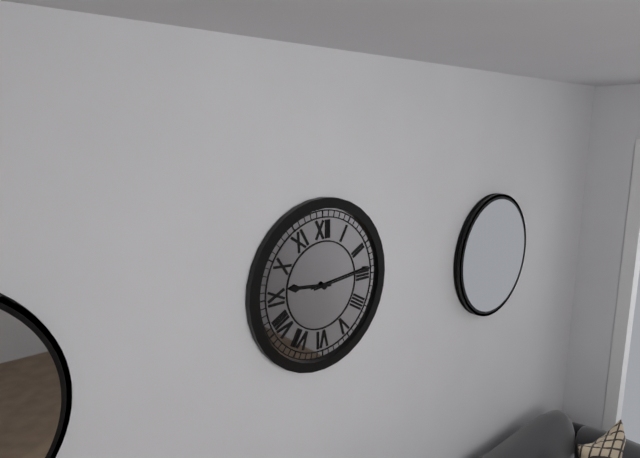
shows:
9,14
